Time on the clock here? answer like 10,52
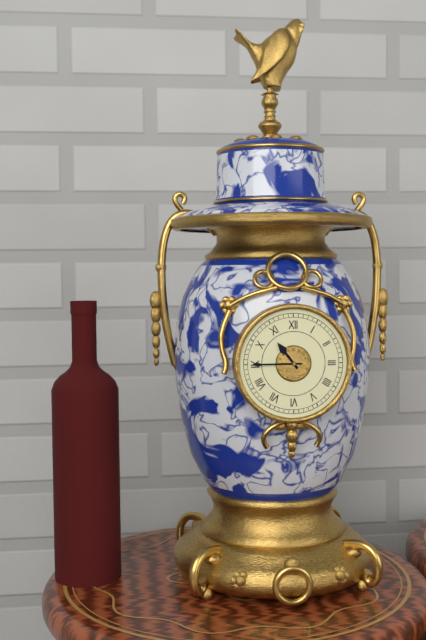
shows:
10,45
